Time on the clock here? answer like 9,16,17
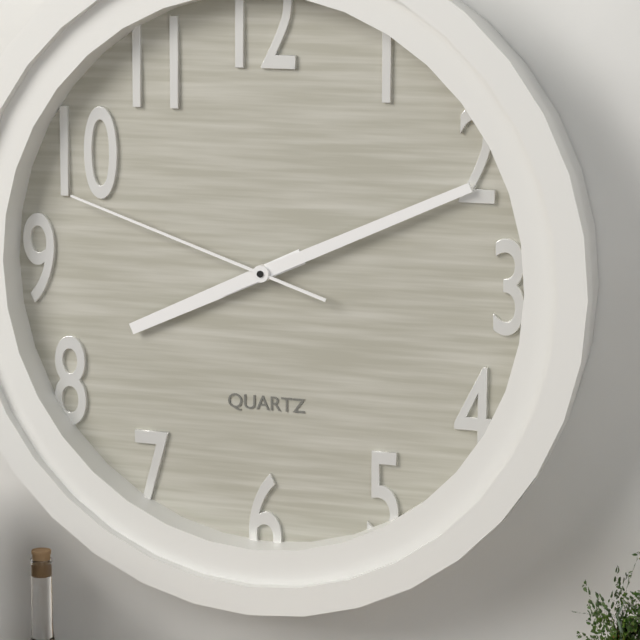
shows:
8,11,48
